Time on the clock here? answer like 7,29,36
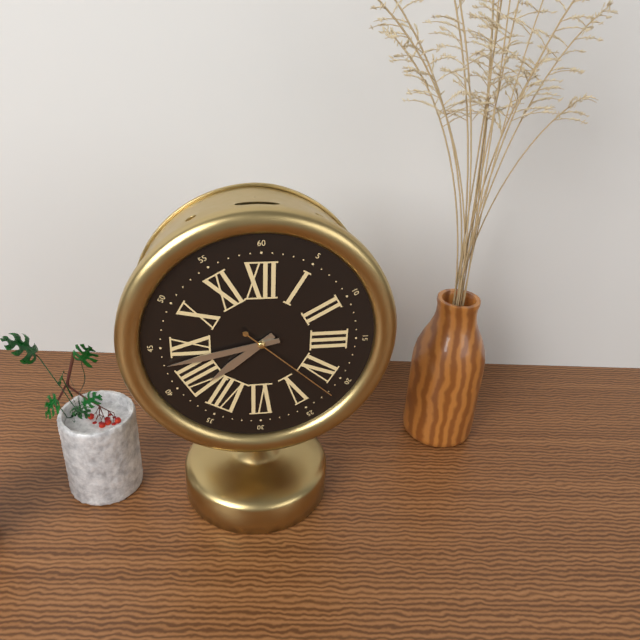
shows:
7,43,22
